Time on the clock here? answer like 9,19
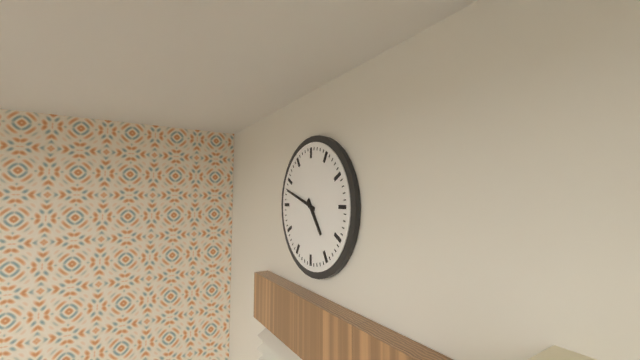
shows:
4,48
